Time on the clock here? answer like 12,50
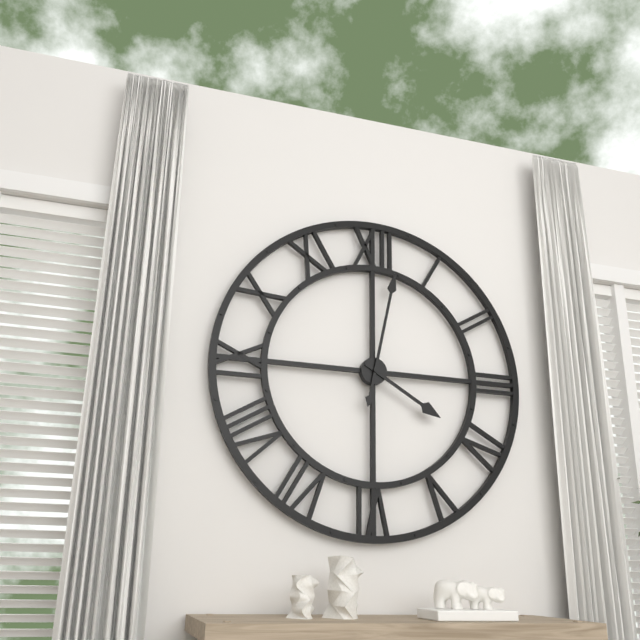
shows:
4,02
